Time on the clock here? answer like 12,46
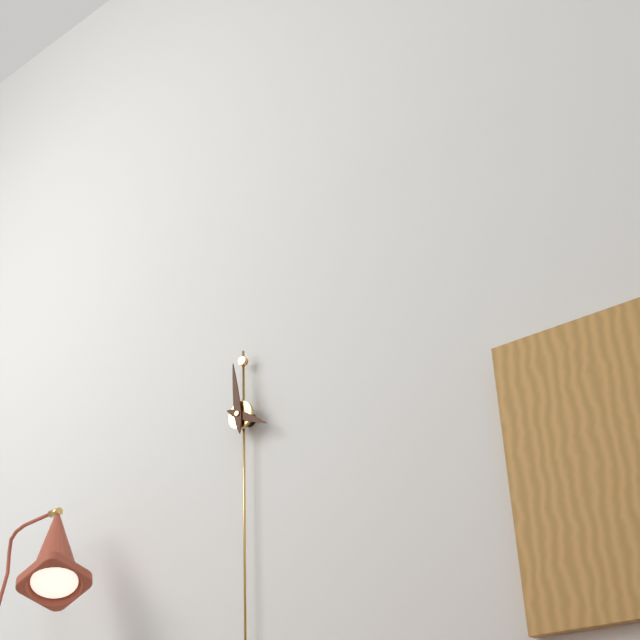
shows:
3,59
